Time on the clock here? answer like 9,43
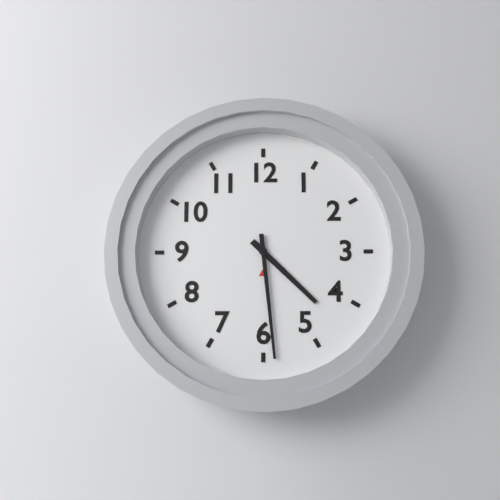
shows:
4,29
